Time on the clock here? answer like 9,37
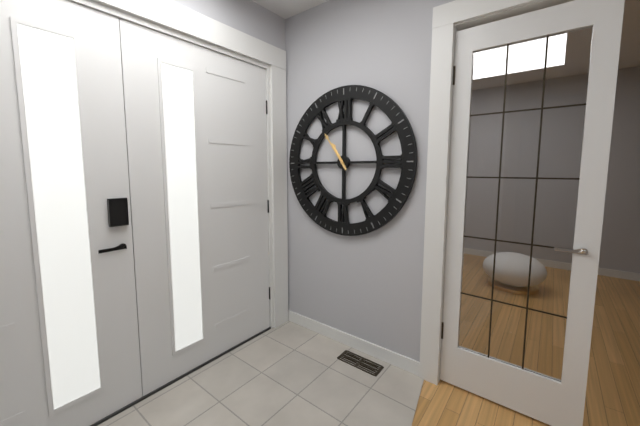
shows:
10,54
